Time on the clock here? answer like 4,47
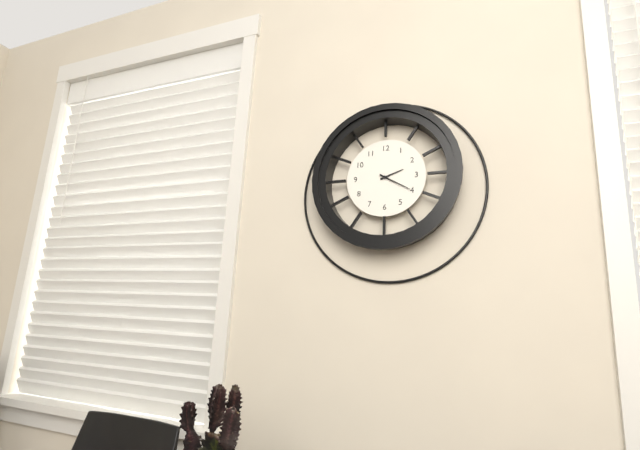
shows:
2,20
